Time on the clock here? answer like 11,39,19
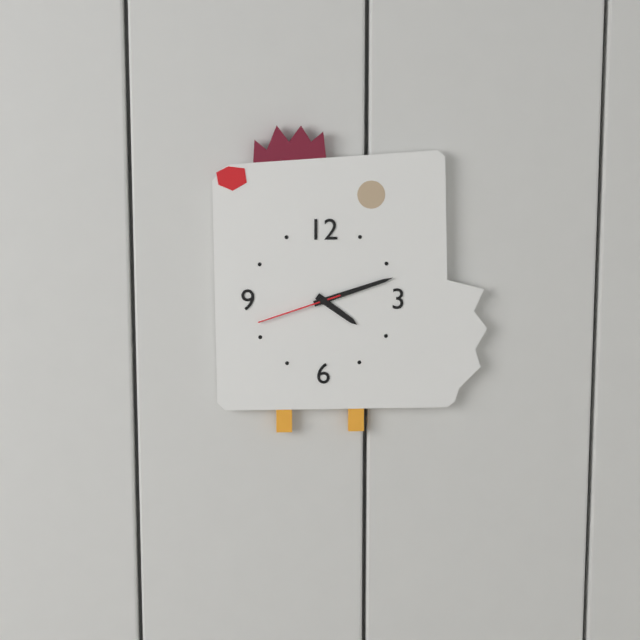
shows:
4,12,42
